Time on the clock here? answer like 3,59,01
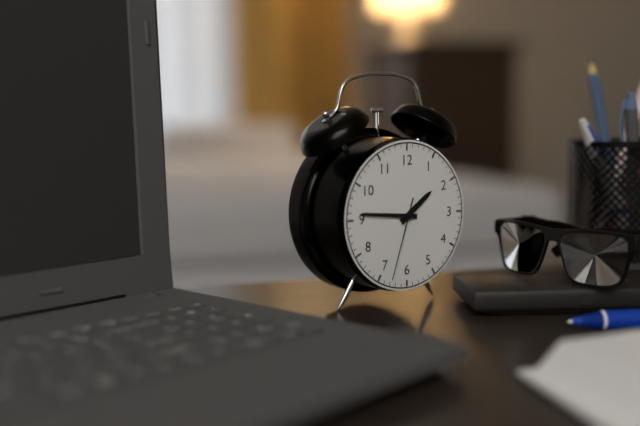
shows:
1,46,33
